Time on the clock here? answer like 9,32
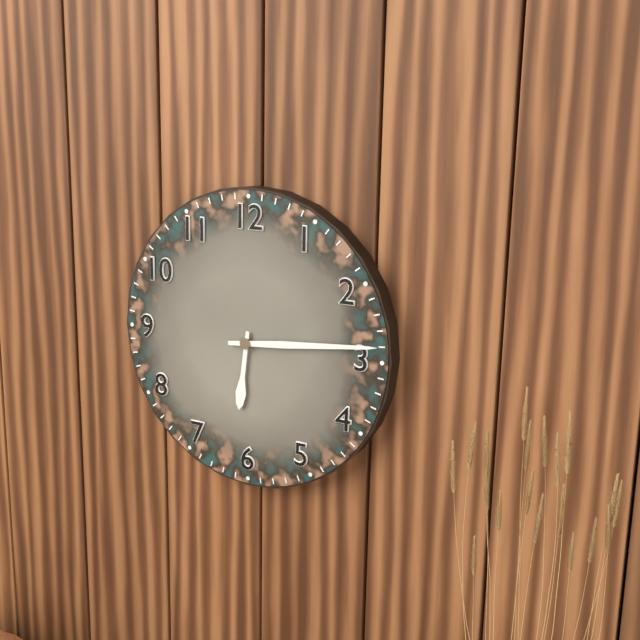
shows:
6,14
